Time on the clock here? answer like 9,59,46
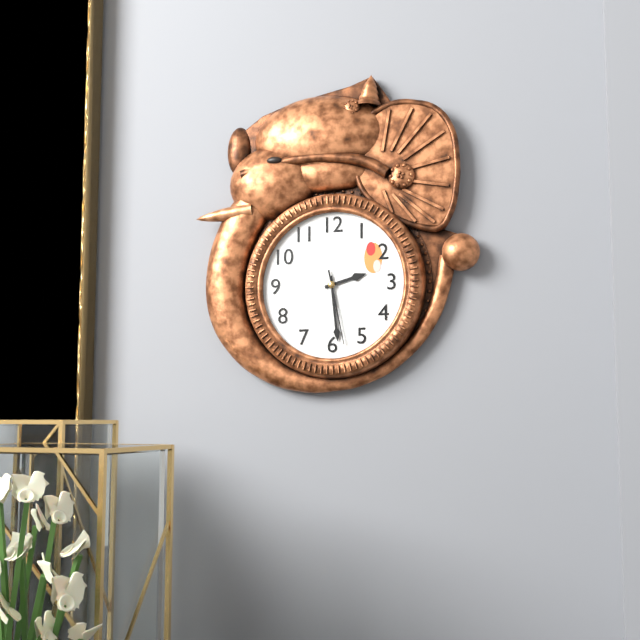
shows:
2,29,28
